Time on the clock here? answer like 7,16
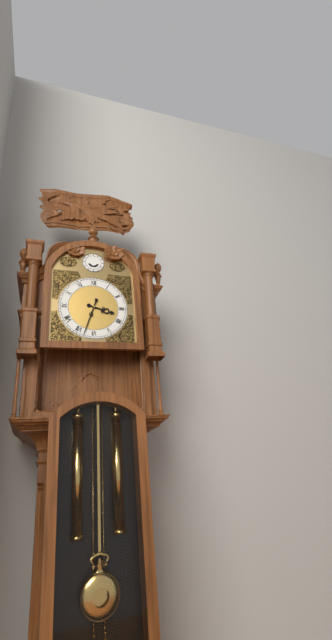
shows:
3,33
